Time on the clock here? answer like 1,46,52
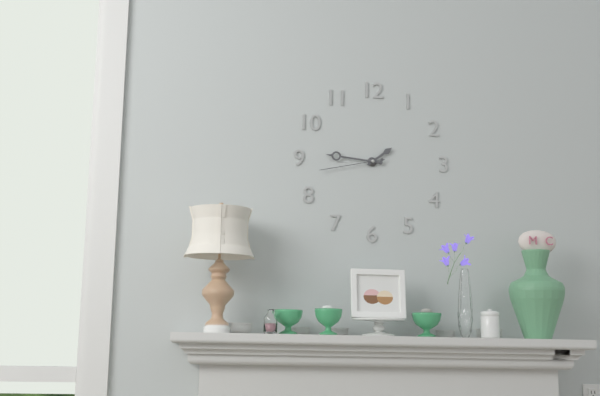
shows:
1,46,43
